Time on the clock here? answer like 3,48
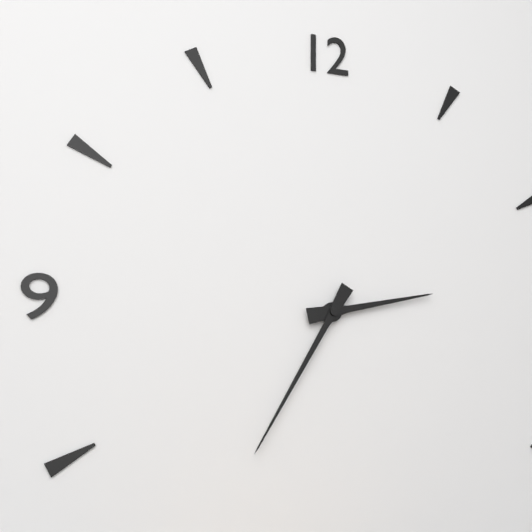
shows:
2,35
